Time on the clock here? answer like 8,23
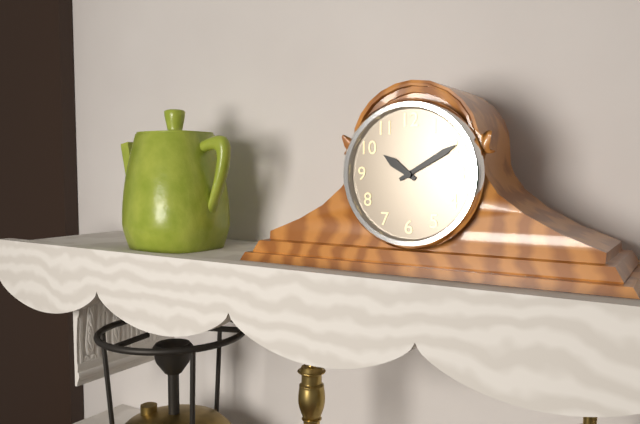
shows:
10,10
